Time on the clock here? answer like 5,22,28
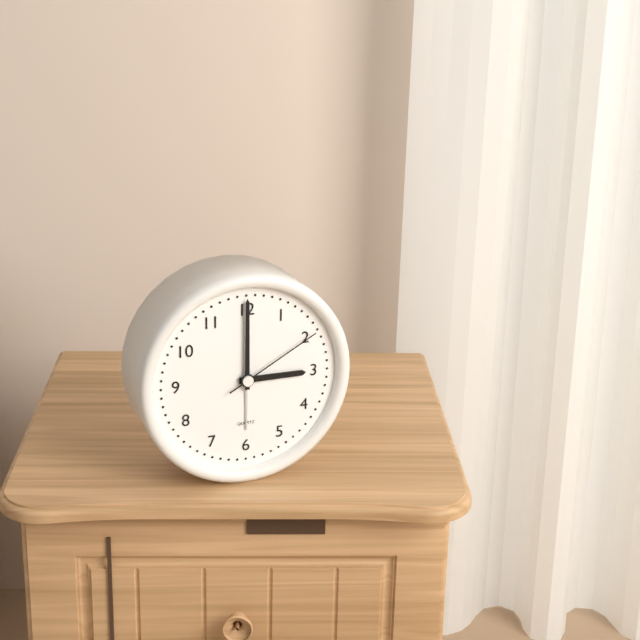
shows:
3,00,10
